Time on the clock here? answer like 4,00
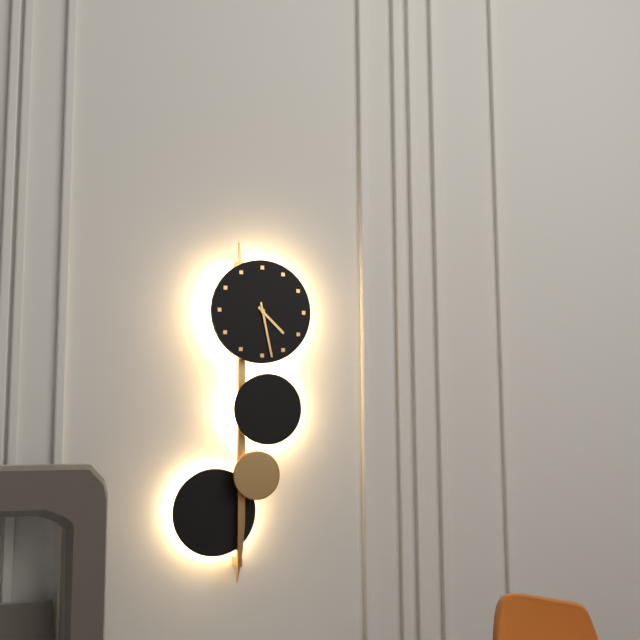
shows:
4,28
